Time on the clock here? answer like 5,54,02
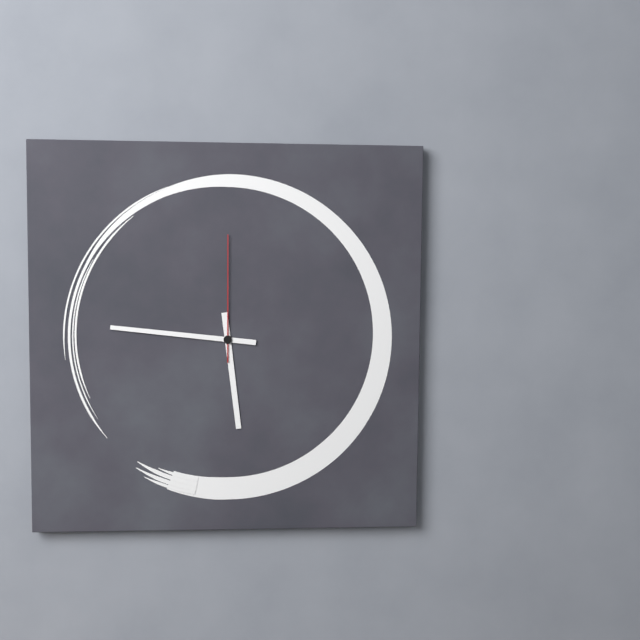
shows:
5,46,00
